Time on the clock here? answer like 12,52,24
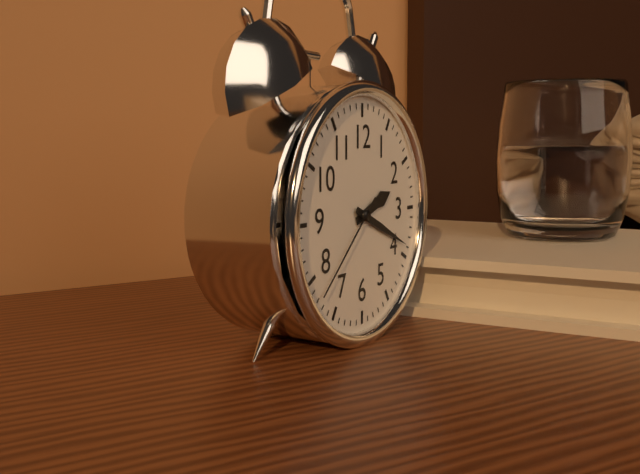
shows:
2,19,38
